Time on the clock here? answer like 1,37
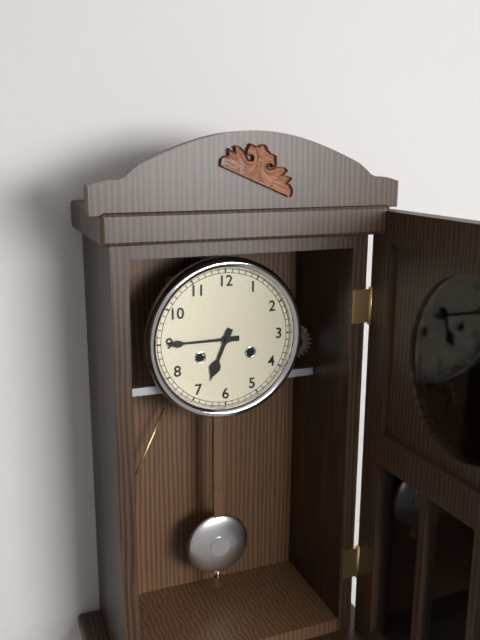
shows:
6,45
